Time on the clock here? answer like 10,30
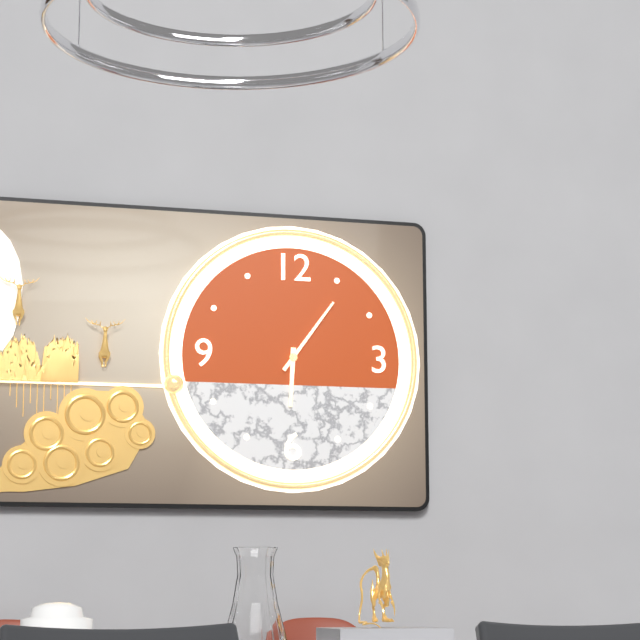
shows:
6,06
